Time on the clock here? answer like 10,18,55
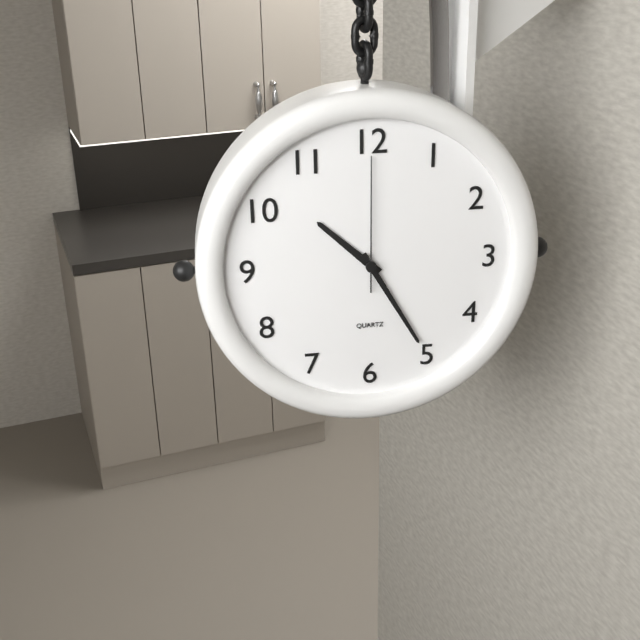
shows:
10,25,00
